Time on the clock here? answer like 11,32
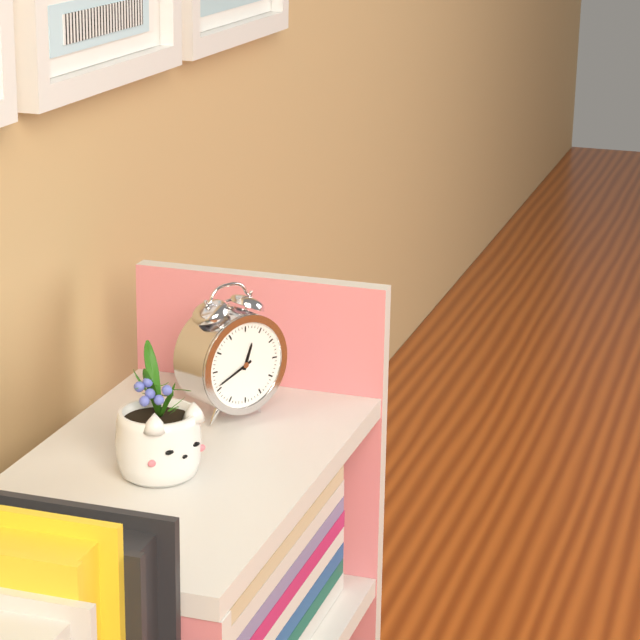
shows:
12,41
